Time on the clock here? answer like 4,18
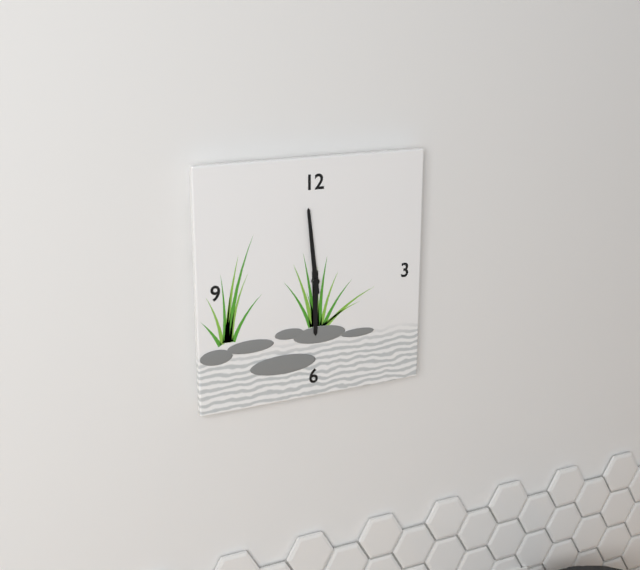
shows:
5,59
